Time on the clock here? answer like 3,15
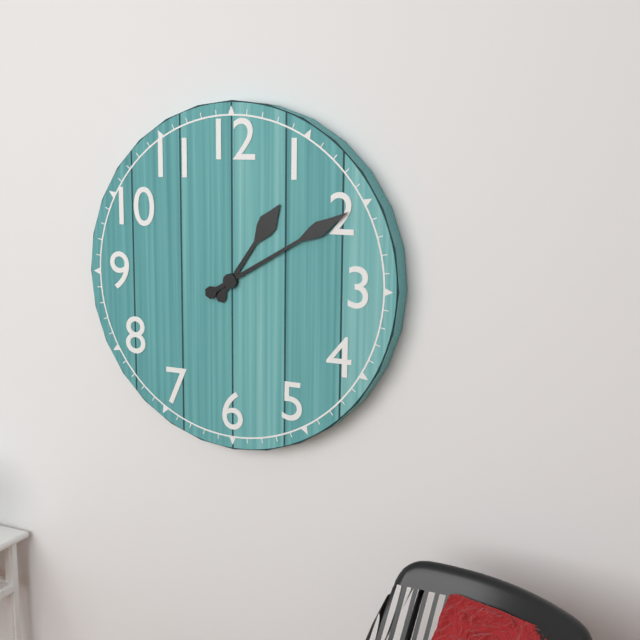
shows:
1,10
